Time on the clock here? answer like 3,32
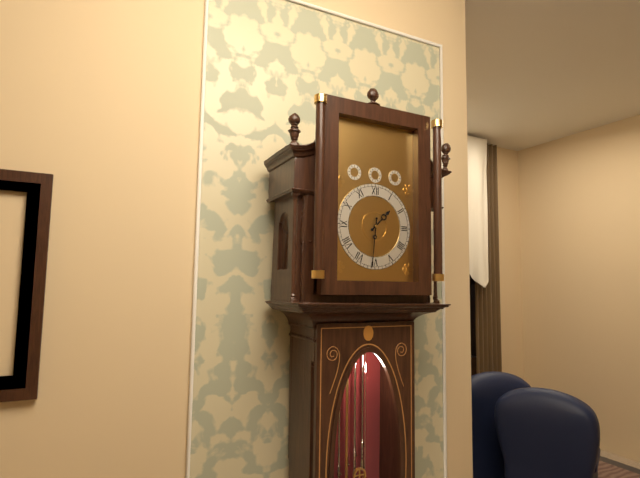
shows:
1,31
